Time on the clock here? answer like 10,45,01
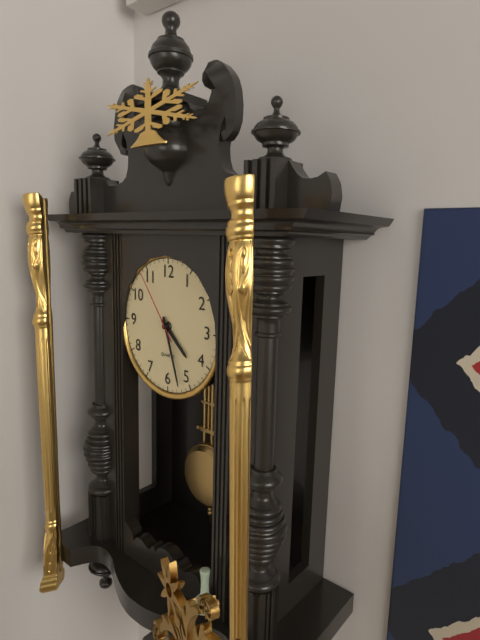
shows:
4,27,54
